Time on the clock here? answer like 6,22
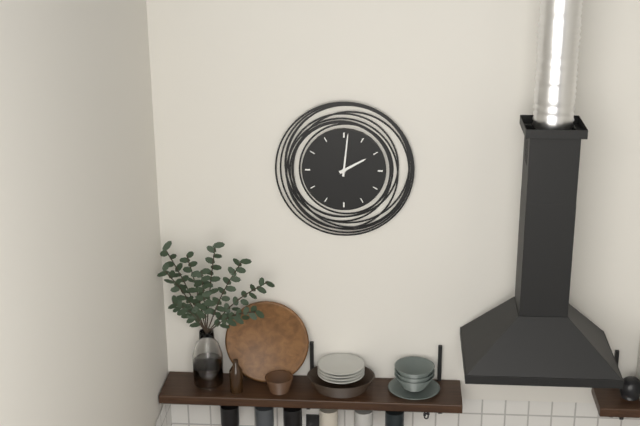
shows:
2,01
